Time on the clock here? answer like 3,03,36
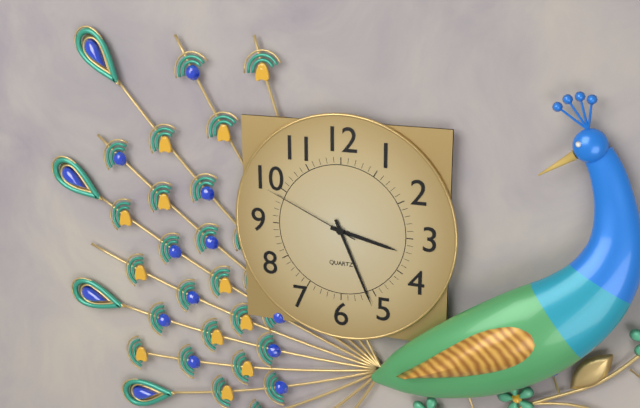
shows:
3,26,49
